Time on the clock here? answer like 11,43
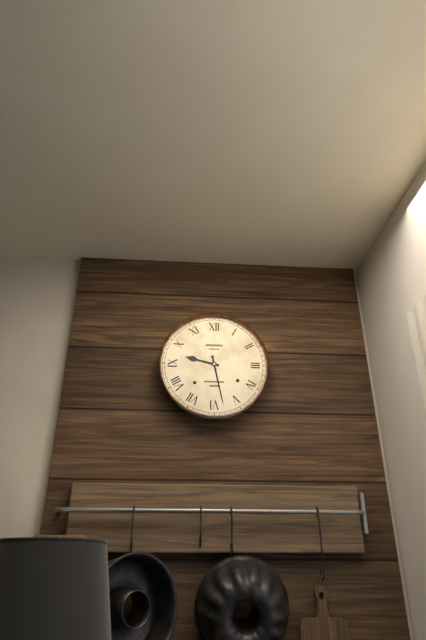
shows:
9,28
